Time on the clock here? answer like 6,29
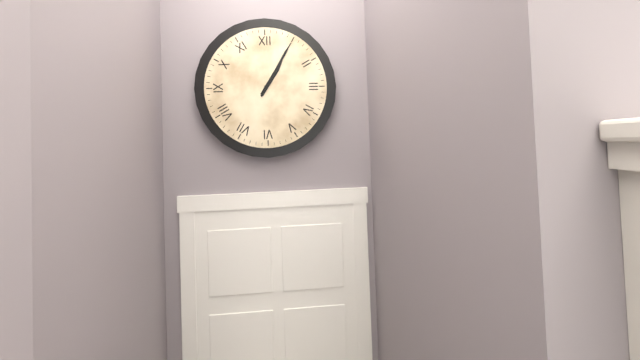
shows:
1,05
